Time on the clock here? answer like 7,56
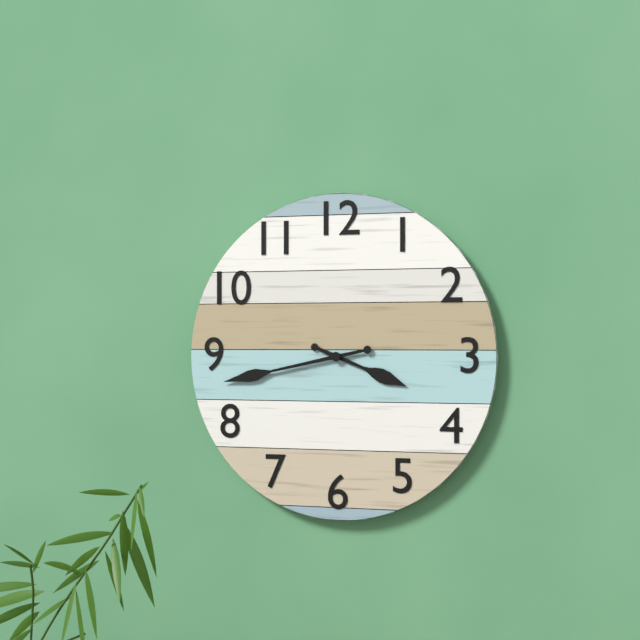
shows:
3,43
